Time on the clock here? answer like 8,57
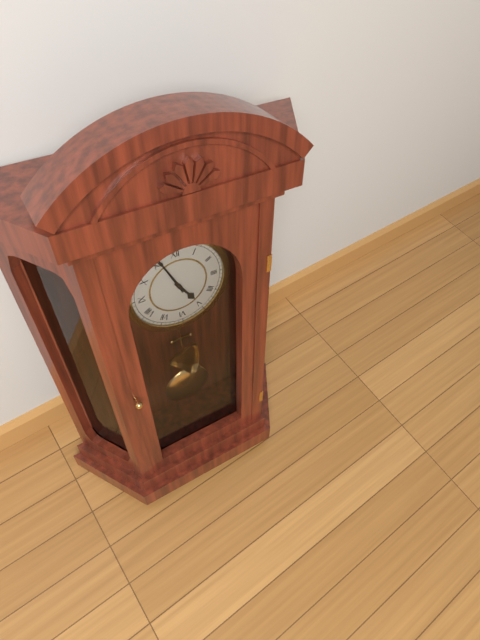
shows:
4,56
